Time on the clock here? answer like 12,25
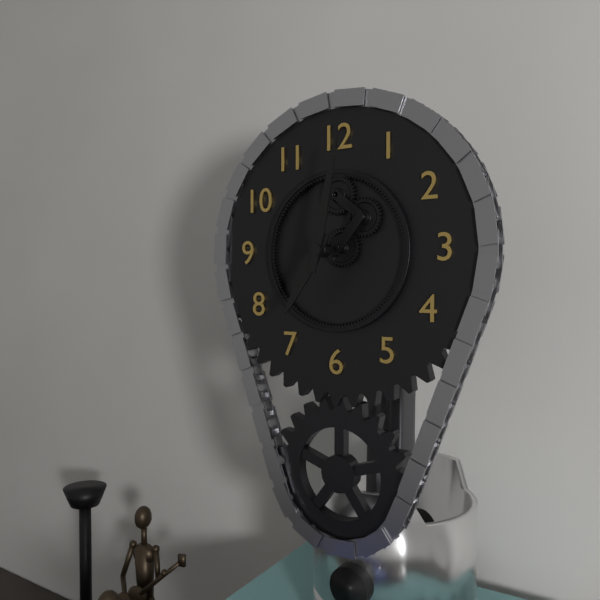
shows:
7,02
